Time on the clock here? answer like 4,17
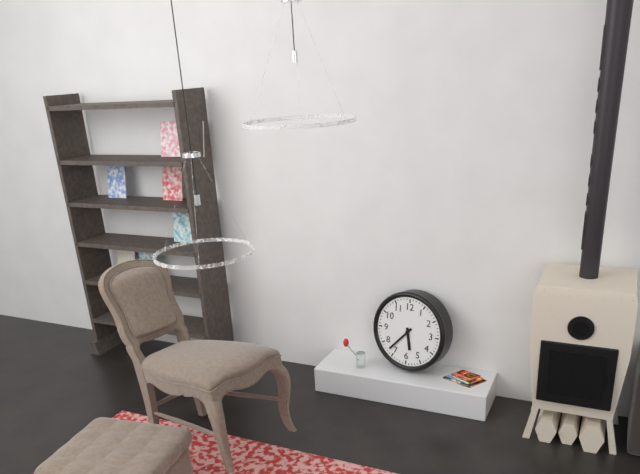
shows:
5,37
